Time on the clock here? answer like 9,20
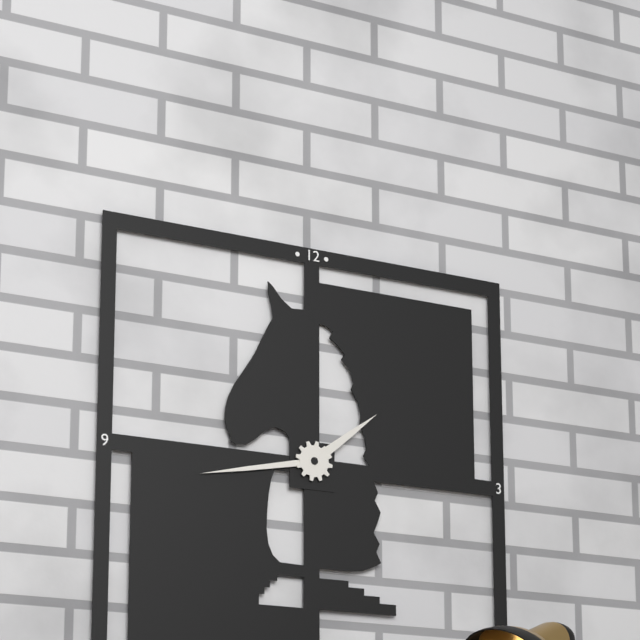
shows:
1,43
